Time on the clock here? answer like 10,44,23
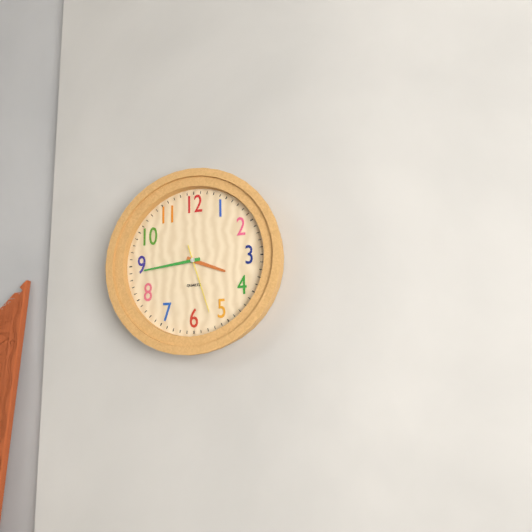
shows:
3,44,27
